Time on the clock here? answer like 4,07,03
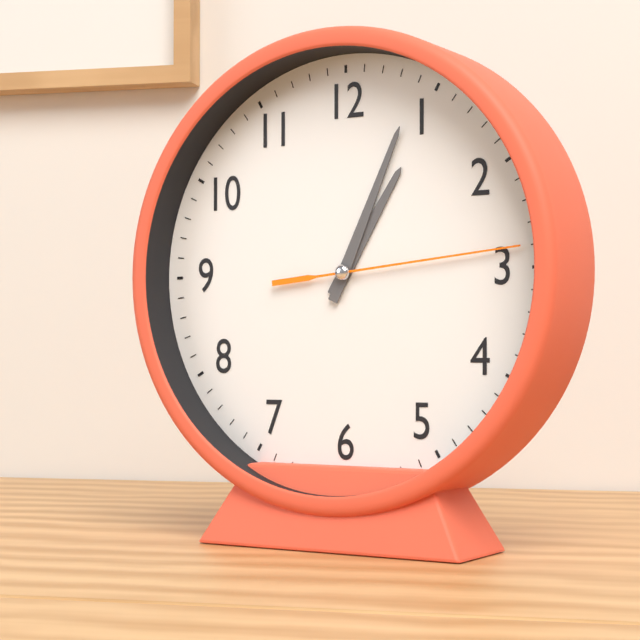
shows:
1,04,14
